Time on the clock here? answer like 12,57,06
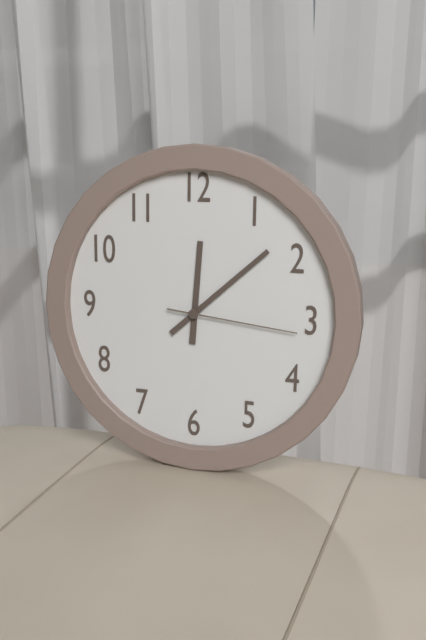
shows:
12,08,16
